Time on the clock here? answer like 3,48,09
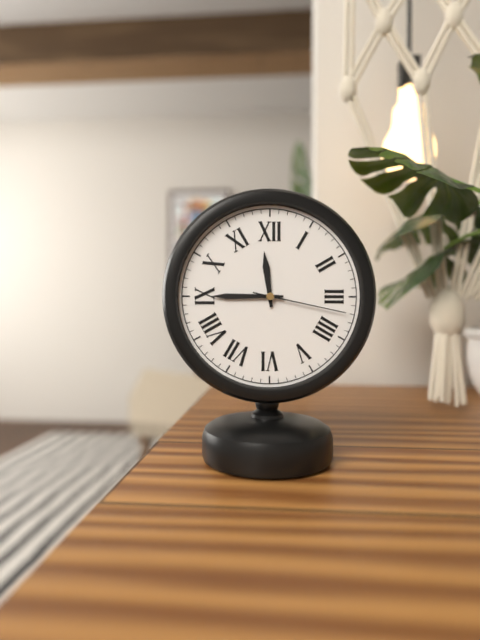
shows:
11,45,17
